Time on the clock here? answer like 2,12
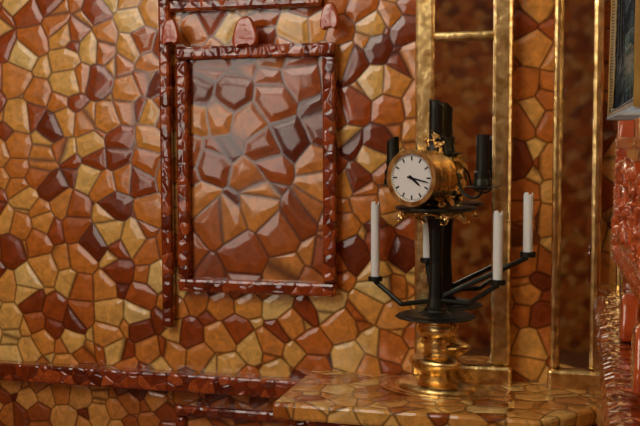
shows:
4,17
